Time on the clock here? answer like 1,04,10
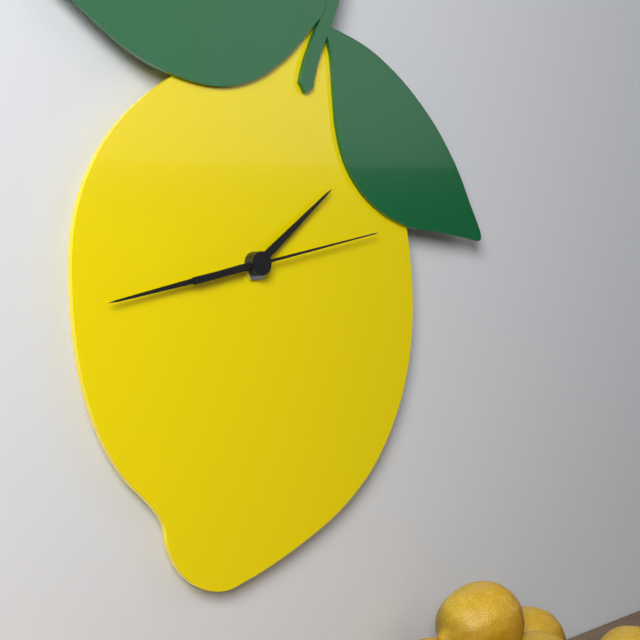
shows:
1,43,13
